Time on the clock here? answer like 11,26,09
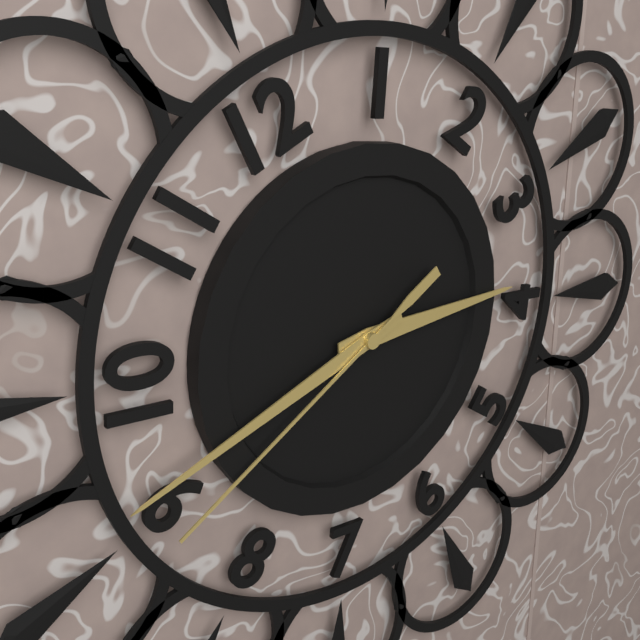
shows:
3,46,44
